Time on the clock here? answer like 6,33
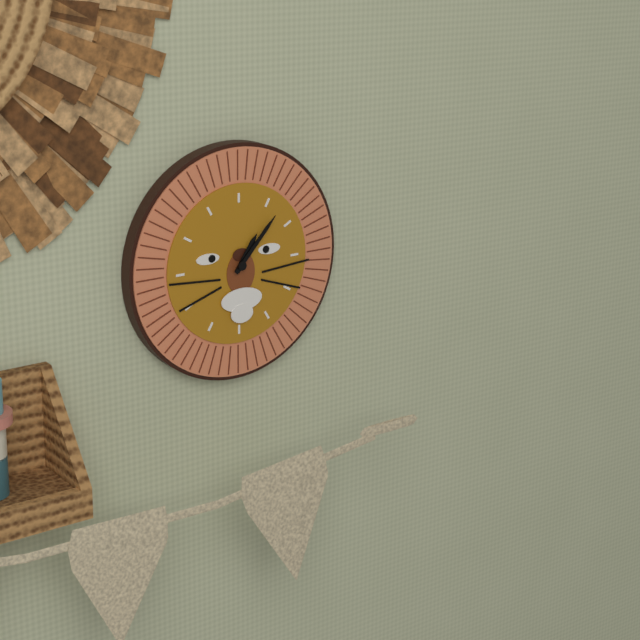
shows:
1,07
